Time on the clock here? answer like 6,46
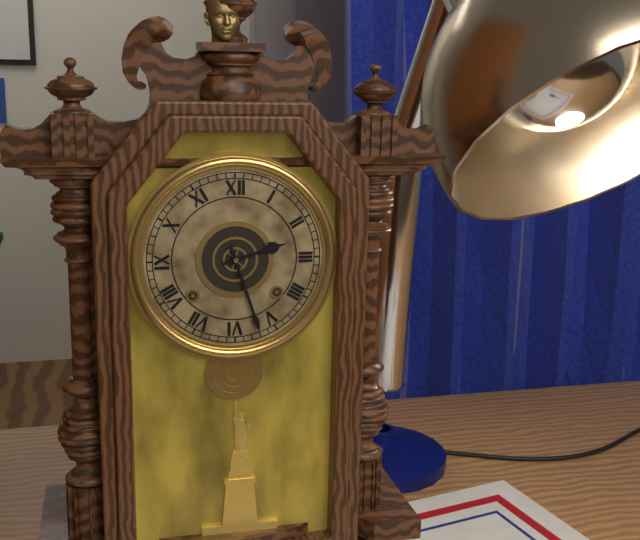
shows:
2,27
